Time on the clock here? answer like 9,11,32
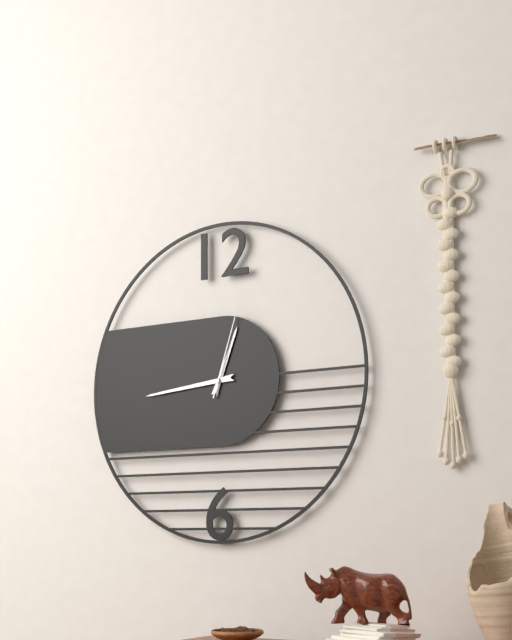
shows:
12,44,03
